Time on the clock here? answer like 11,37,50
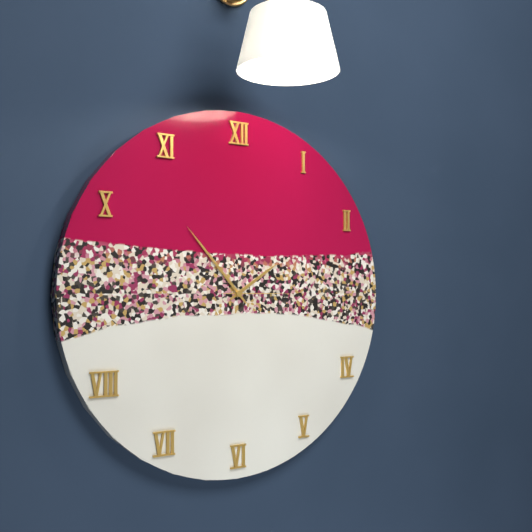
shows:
1,53,15
